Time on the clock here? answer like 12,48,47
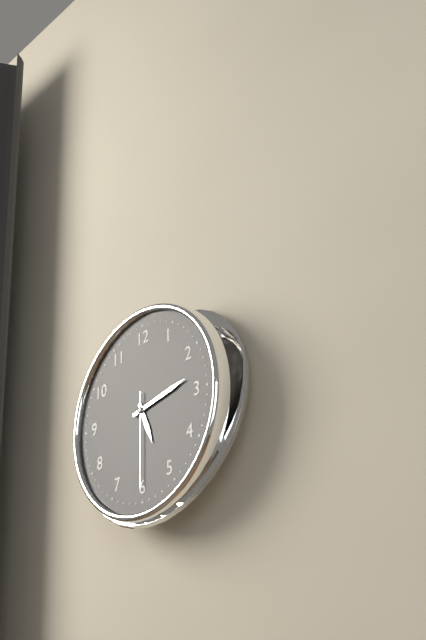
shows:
5,13,30
